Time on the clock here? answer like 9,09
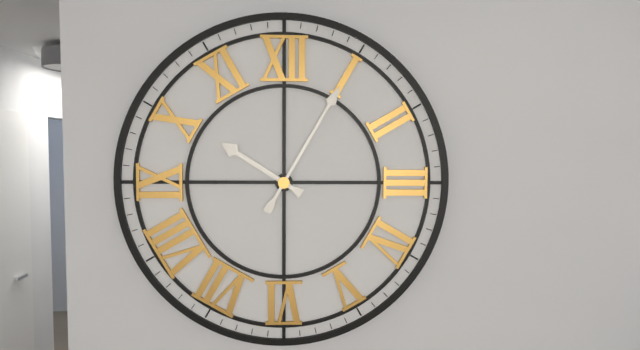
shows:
10,05
